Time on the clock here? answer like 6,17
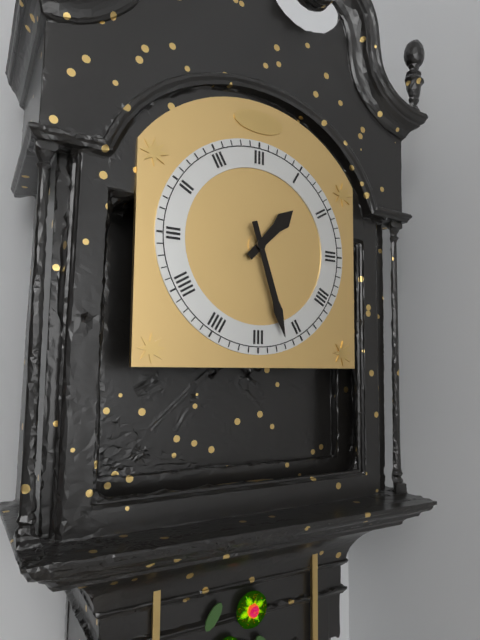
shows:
1,27
